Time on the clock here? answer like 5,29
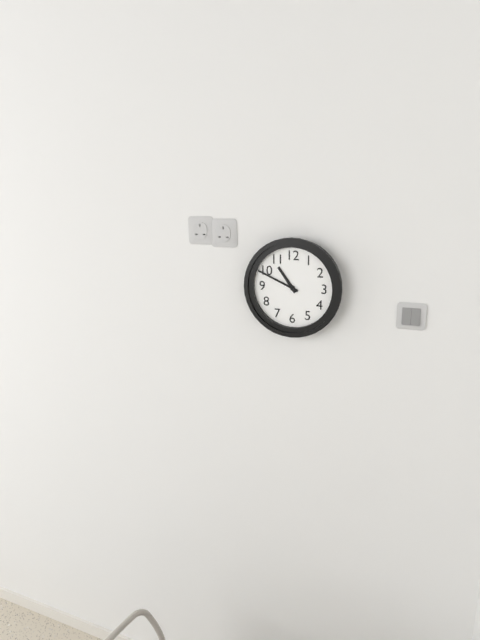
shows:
10,49
